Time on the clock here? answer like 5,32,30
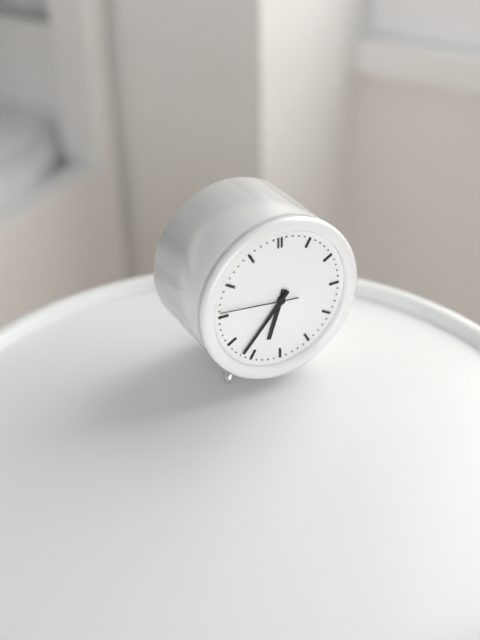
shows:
6,37,46
